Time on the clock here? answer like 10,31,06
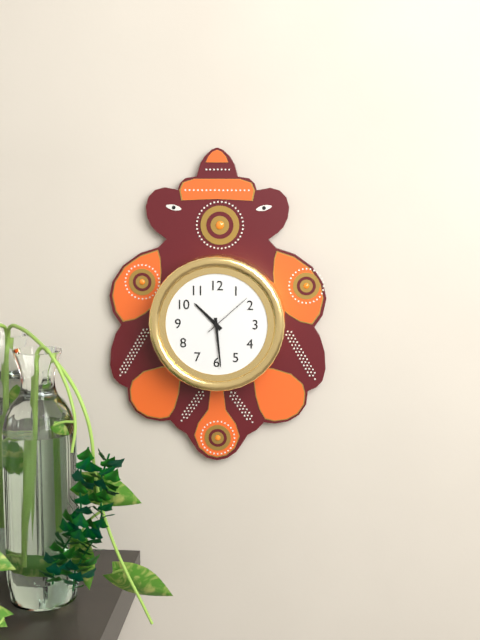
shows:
10,29,08
